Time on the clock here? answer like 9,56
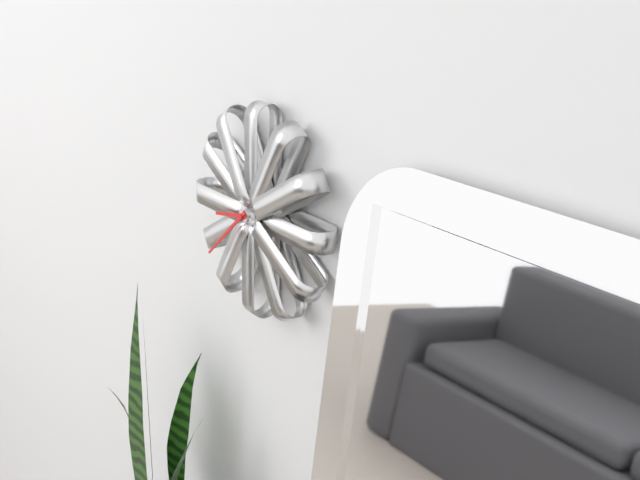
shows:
8,38
